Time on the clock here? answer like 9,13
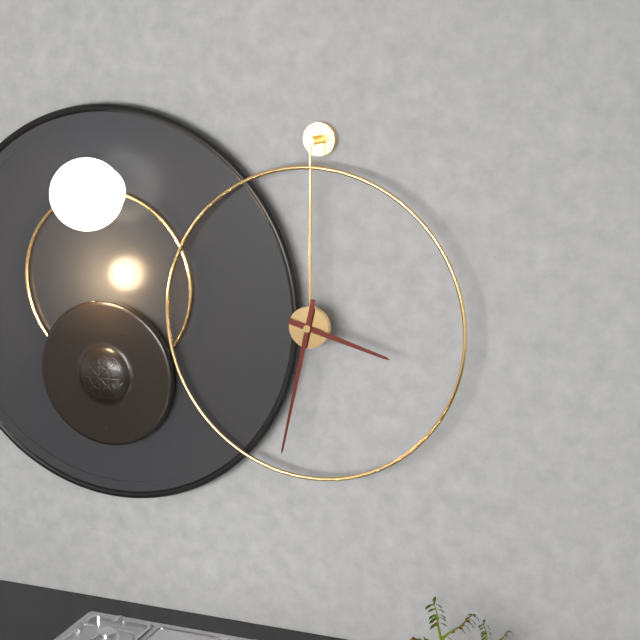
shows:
3,32
